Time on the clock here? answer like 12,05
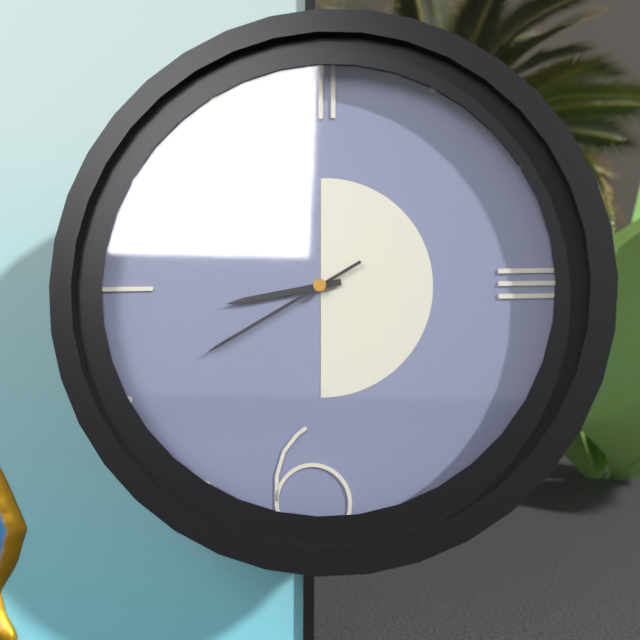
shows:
8,40
